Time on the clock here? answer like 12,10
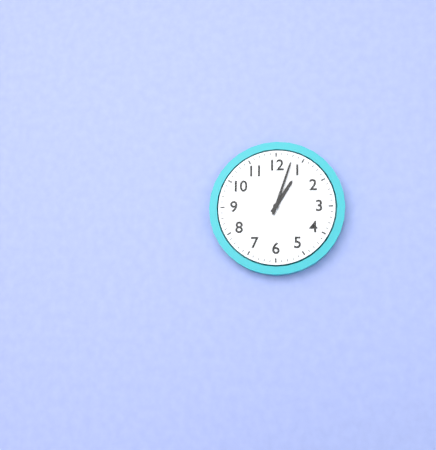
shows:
1,03
